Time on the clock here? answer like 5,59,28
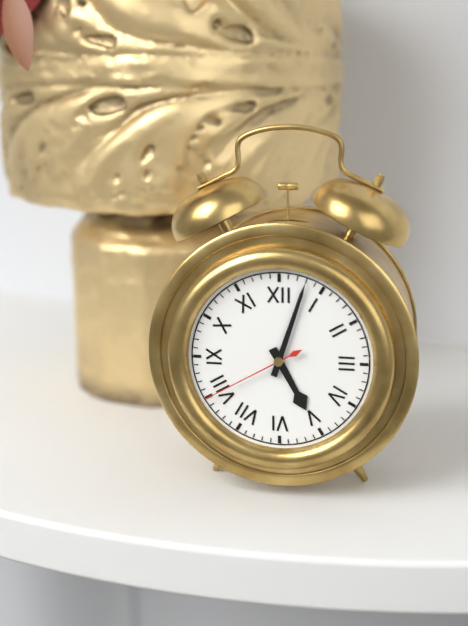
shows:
5,03,40
